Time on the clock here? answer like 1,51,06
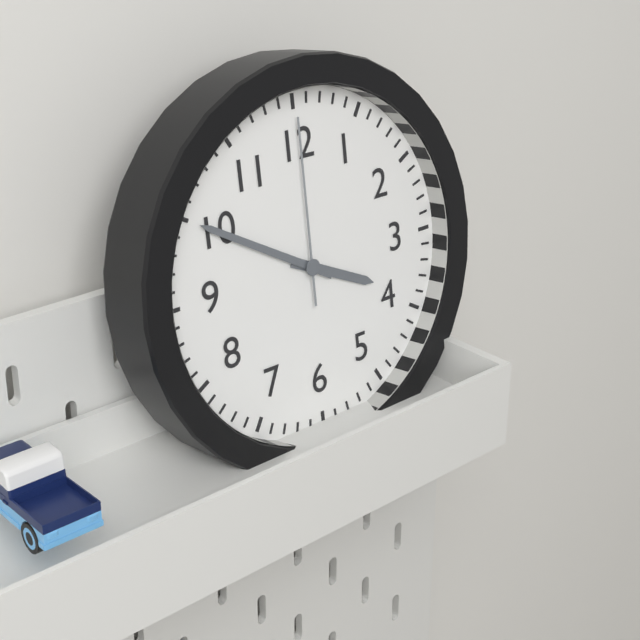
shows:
3,50,00
